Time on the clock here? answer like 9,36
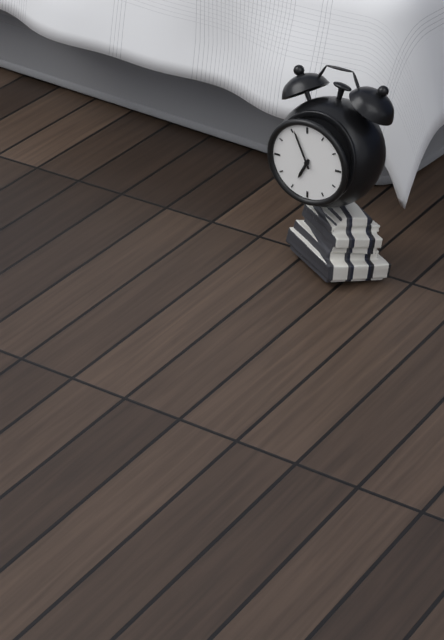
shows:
6,56
